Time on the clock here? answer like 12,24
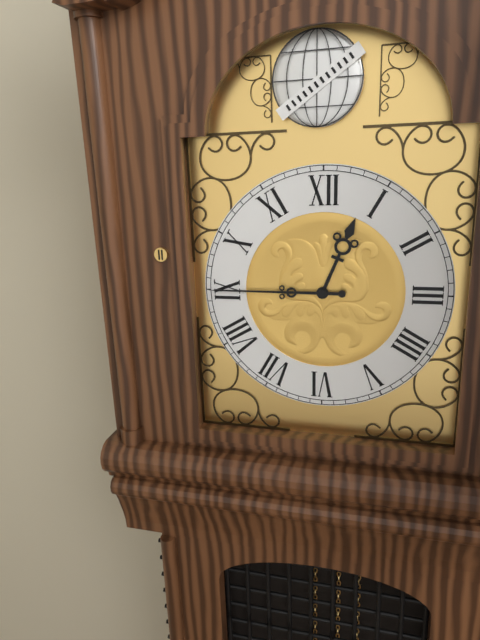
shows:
12,45
